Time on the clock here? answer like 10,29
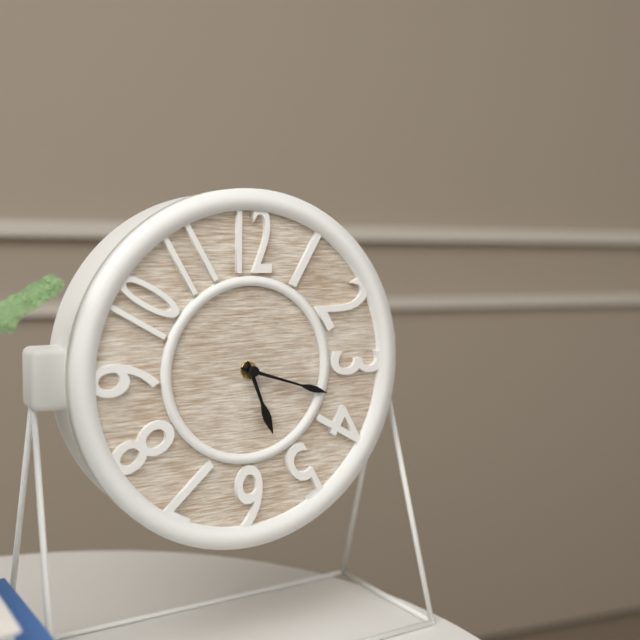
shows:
5,18
